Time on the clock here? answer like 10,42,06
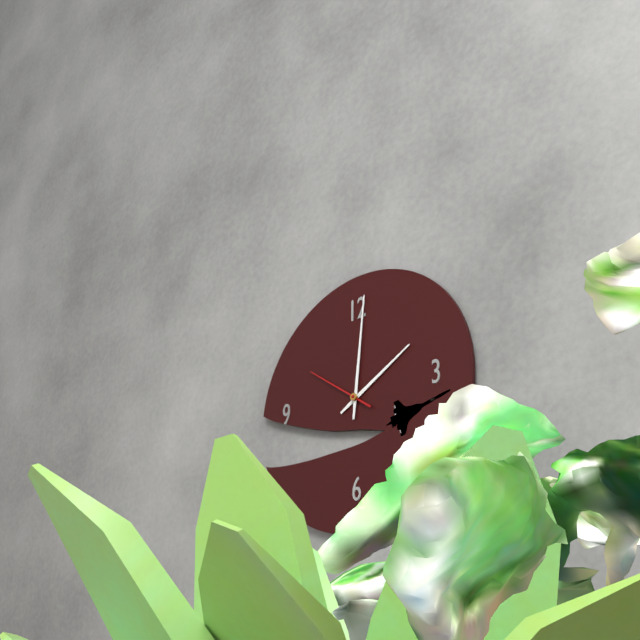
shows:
2,01,51
